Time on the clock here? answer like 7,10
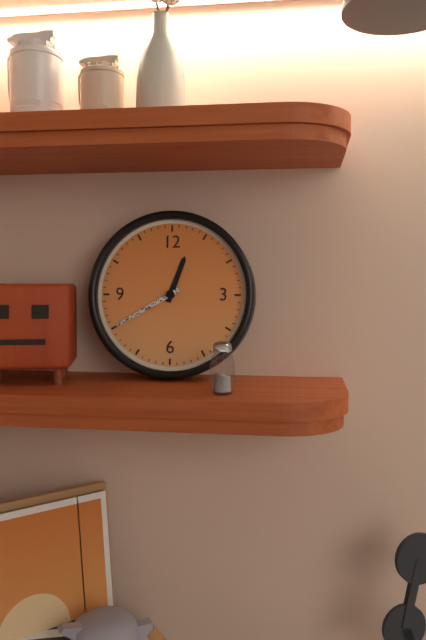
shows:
12,40
